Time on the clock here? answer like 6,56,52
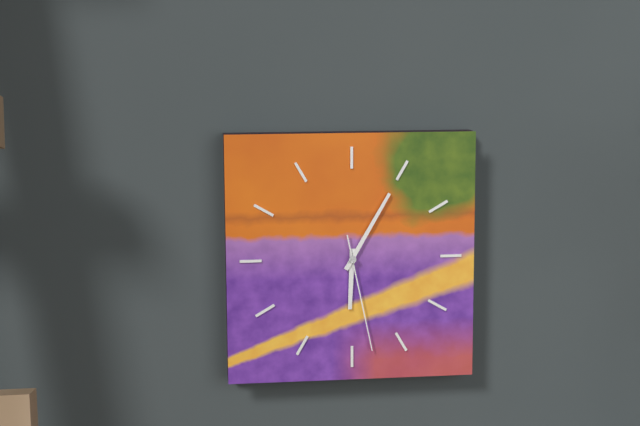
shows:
6,05,28
